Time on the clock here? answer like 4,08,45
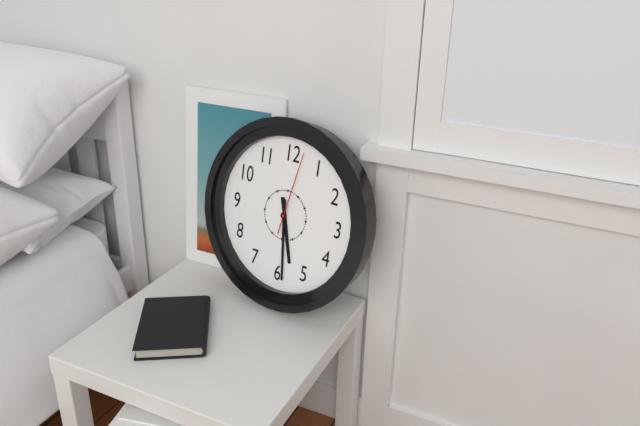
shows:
5,29,02
